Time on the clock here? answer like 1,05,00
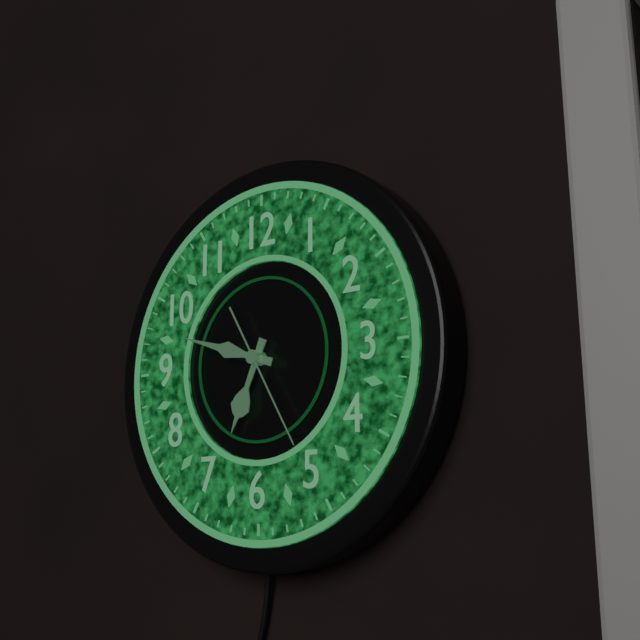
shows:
6,48,25
